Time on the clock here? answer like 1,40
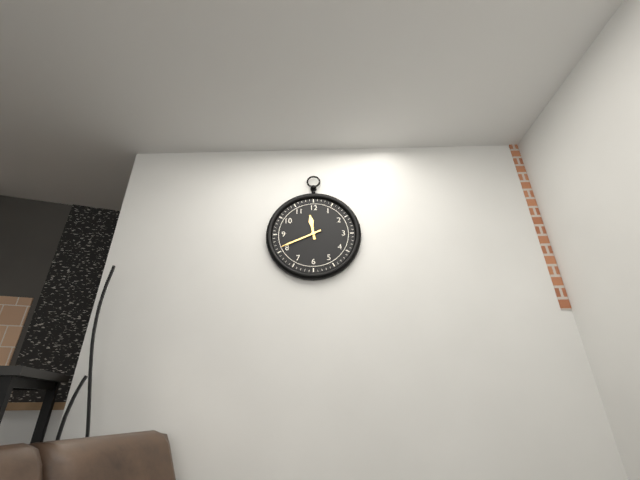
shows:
11,41
